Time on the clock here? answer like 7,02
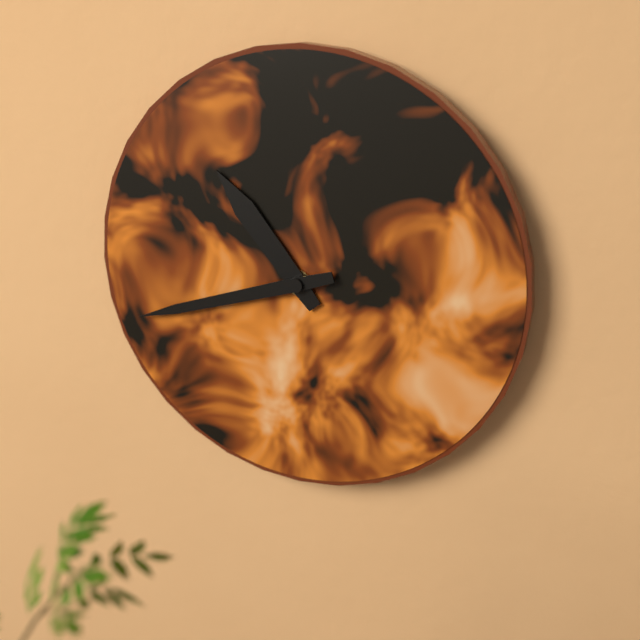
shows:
10,42
